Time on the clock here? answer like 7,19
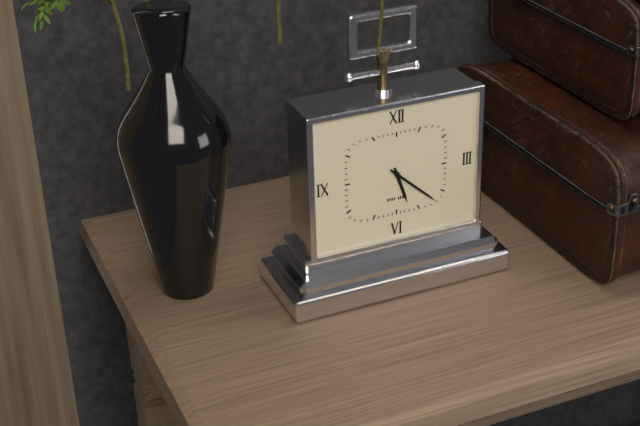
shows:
5,22
